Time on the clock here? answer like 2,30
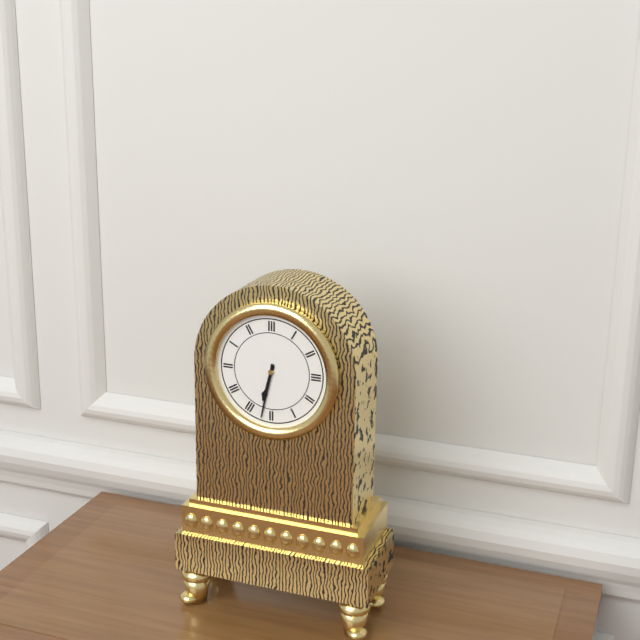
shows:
6,32
